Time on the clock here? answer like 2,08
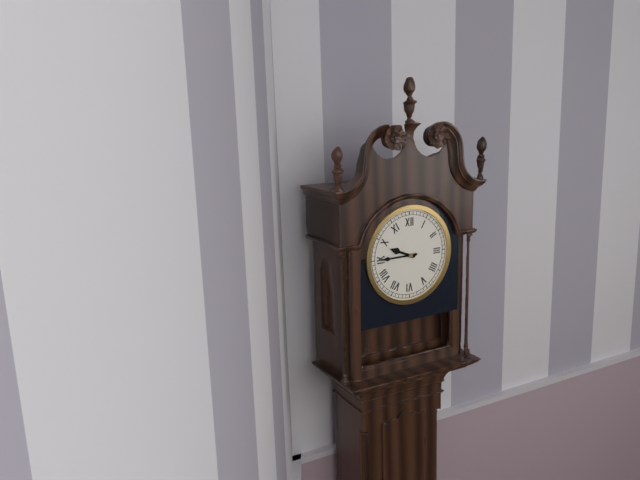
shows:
9,45
